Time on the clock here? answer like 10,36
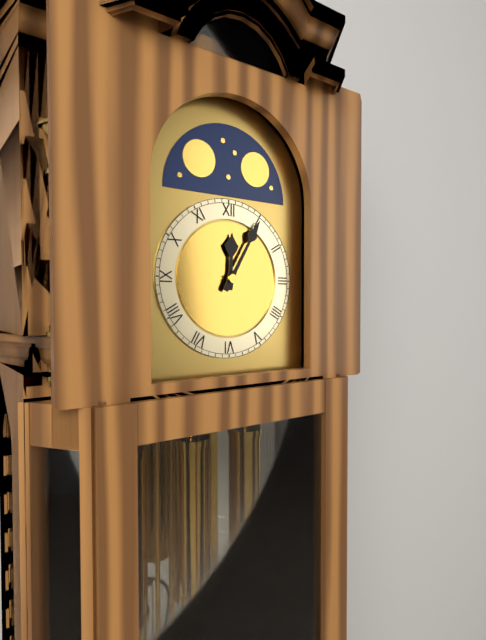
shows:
12,05
